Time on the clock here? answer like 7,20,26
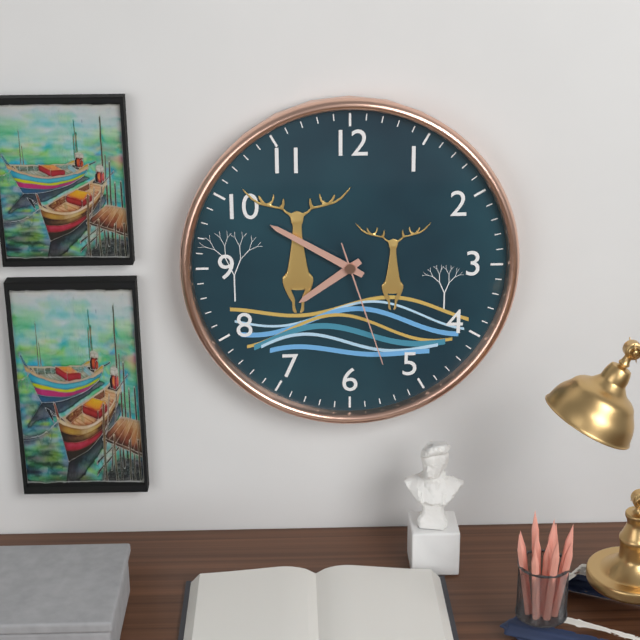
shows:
7,50,27
